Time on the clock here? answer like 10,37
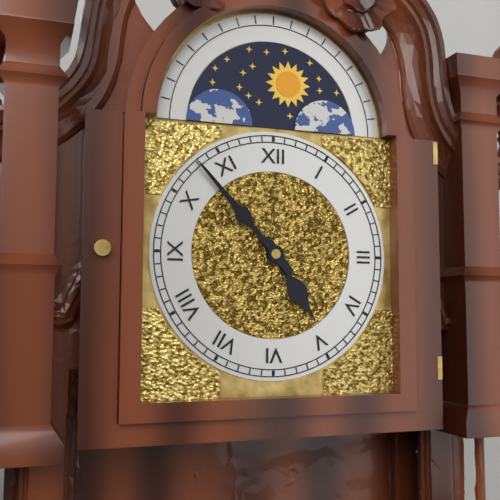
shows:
4,53
